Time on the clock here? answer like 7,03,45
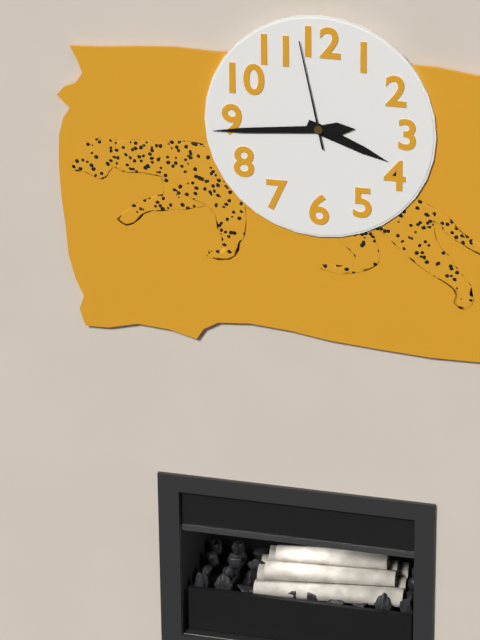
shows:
3,44,58
